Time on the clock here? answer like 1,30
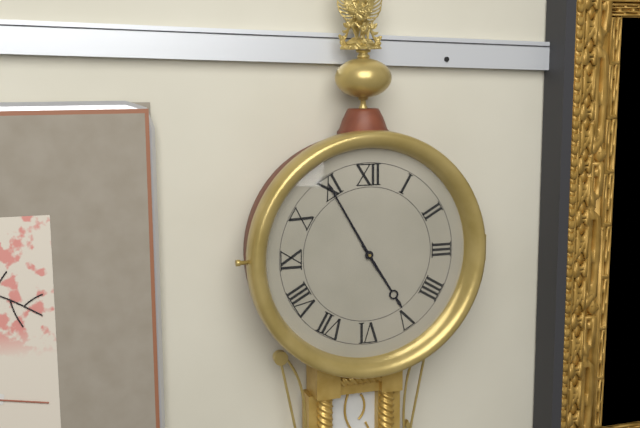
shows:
4,55
